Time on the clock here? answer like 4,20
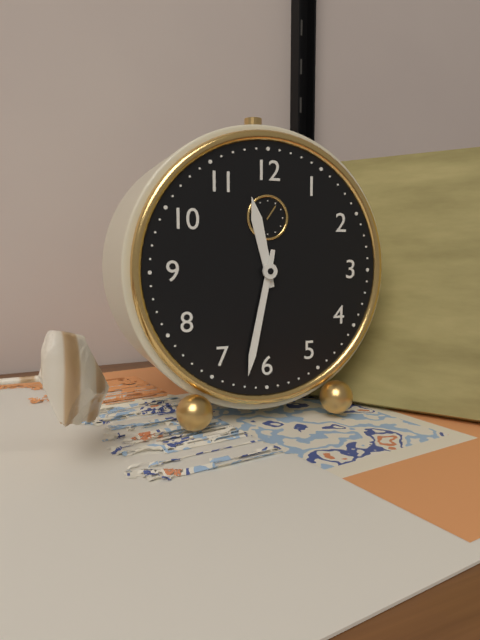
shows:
11,32
